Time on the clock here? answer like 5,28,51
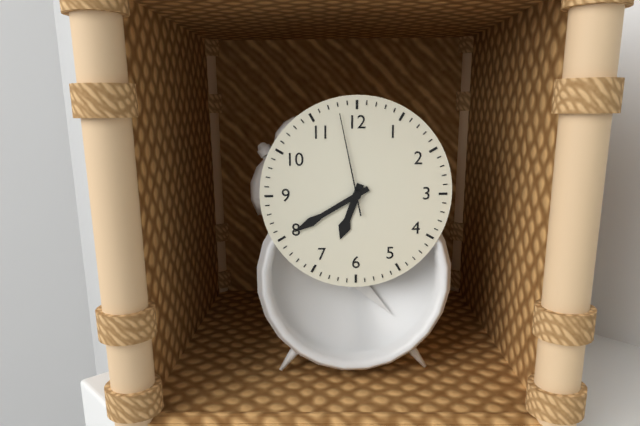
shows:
6,40,58
